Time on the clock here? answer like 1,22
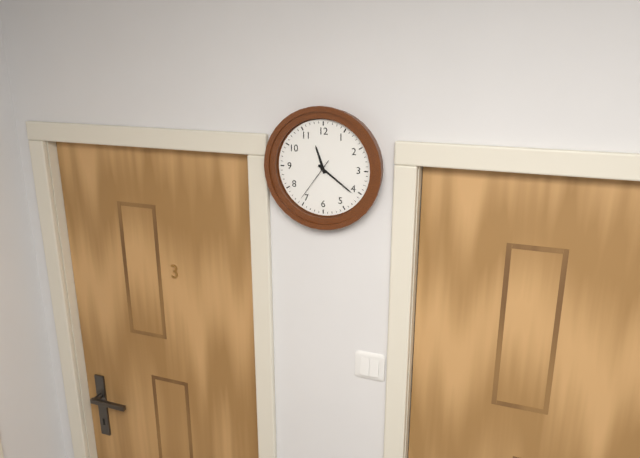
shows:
11,21
